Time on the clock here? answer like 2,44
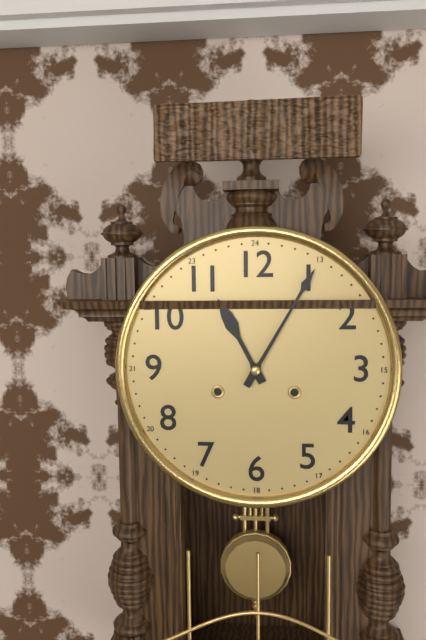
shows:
11,05
